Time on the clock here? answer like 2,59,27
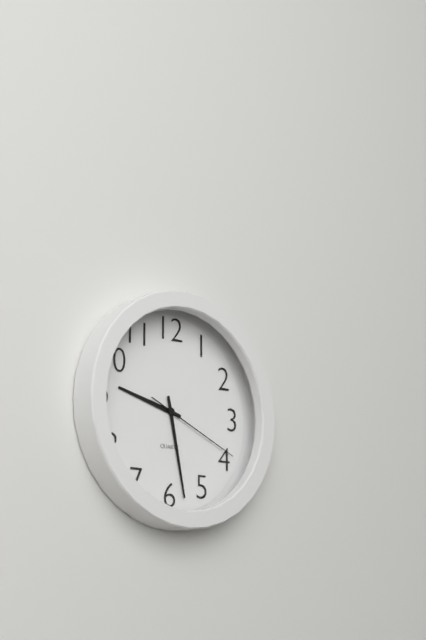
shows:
9,28,19
